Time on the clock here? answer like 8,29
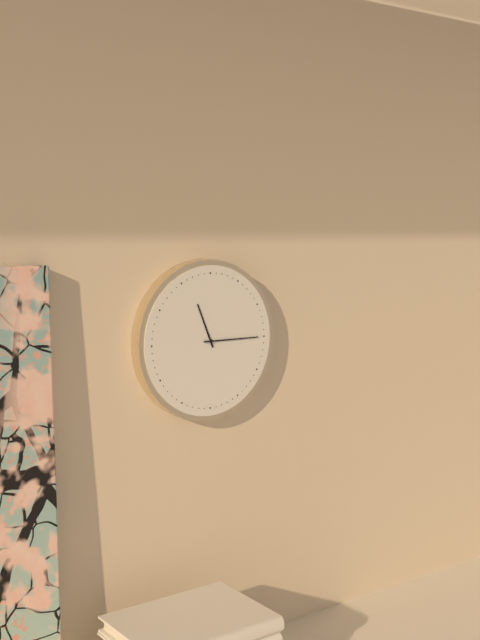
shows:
11,15
